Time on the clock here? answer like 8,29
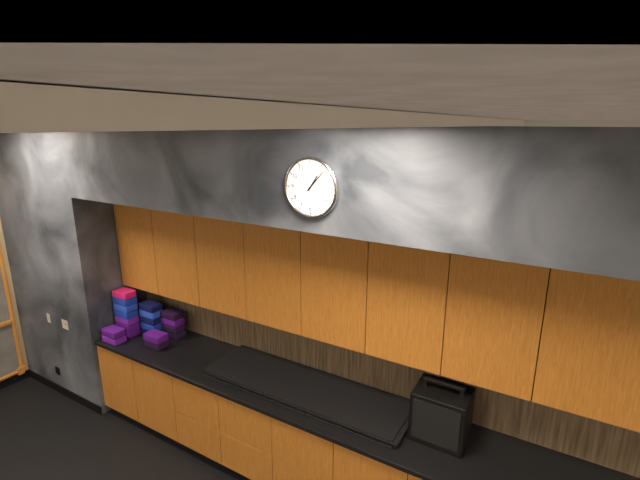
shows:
1,07
